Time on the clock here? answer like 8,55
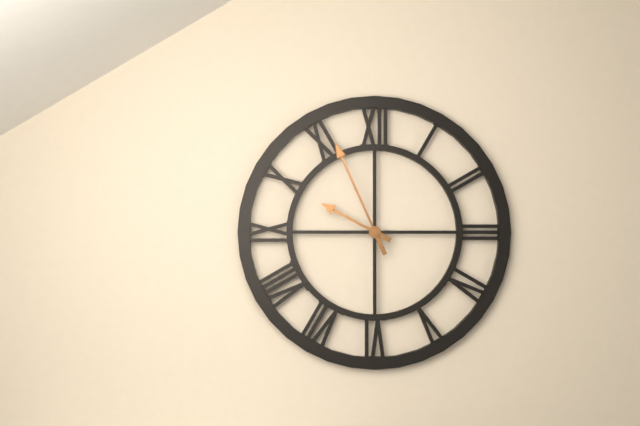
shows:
9,56
